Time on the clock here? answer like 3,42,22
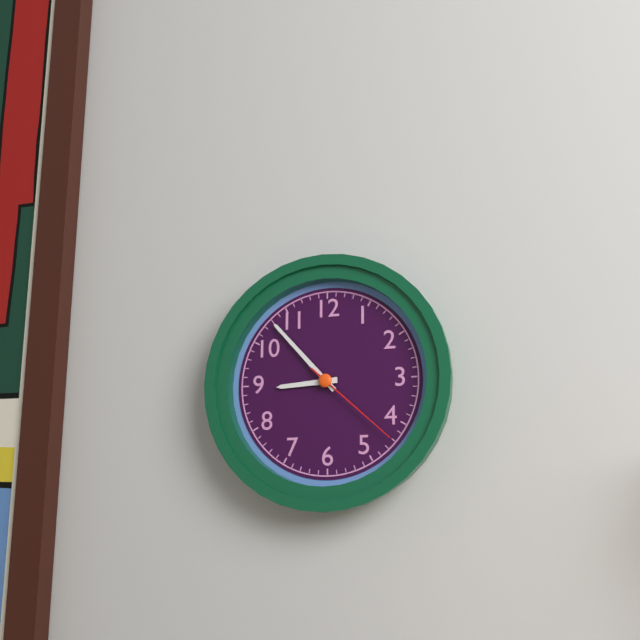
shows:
8,53,22
